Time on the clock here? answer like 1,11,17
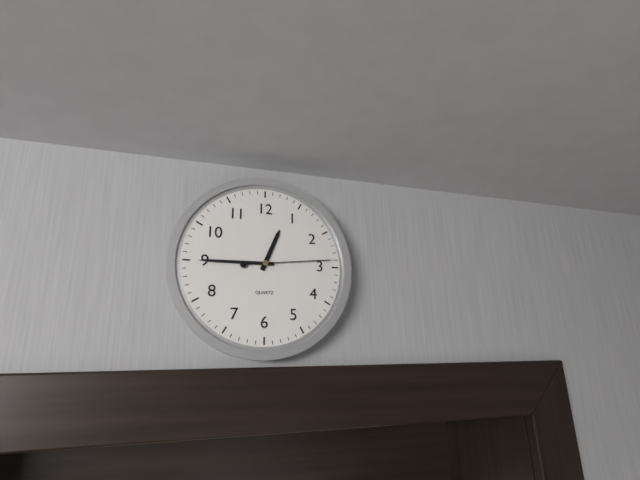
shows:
12,45,14
